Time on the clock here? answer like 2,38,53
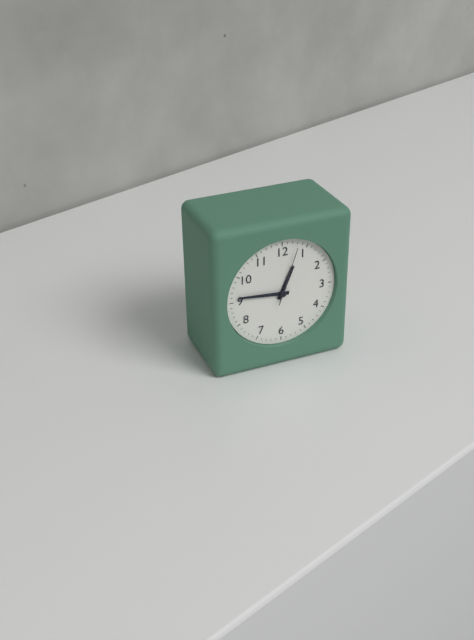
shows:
12,46,03
